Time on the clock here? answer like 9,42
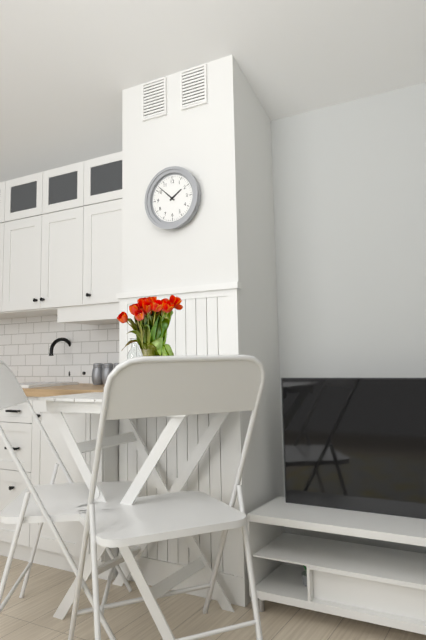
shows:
1,52
